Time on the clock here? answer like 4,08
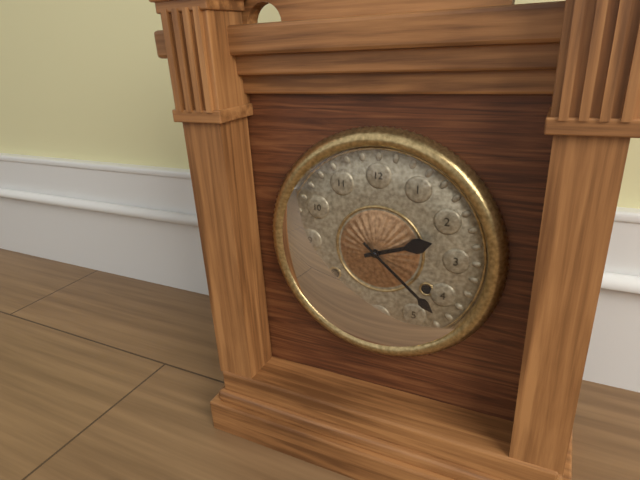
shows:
2,22
